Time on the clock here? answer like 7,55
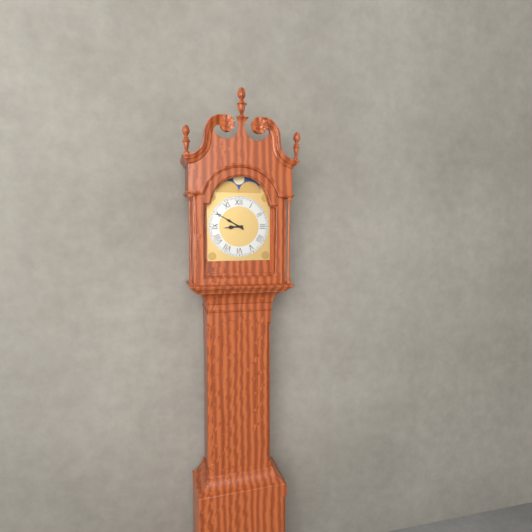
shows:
8,50
